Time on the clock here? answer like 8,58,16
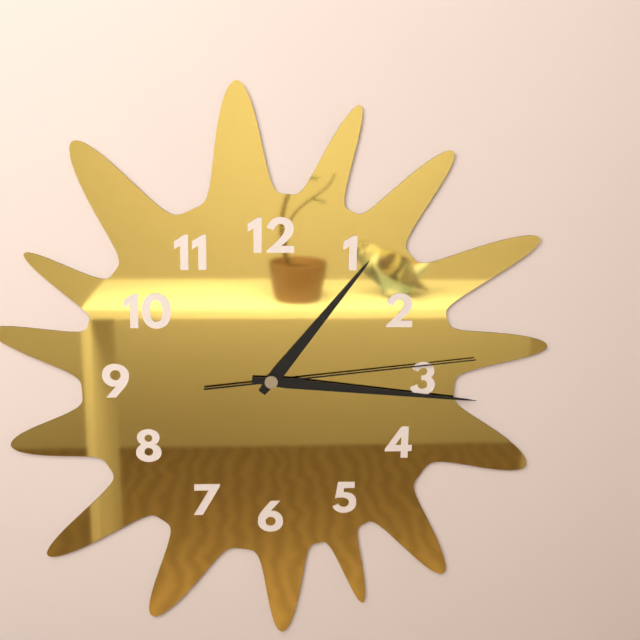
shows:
1,16,14
